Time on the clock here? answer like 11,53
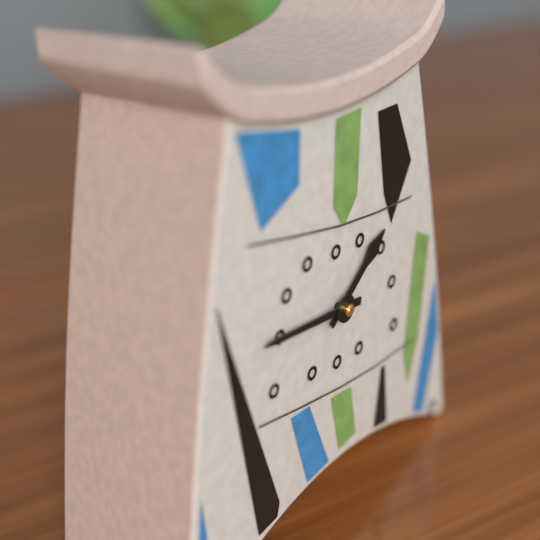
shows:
1,46
